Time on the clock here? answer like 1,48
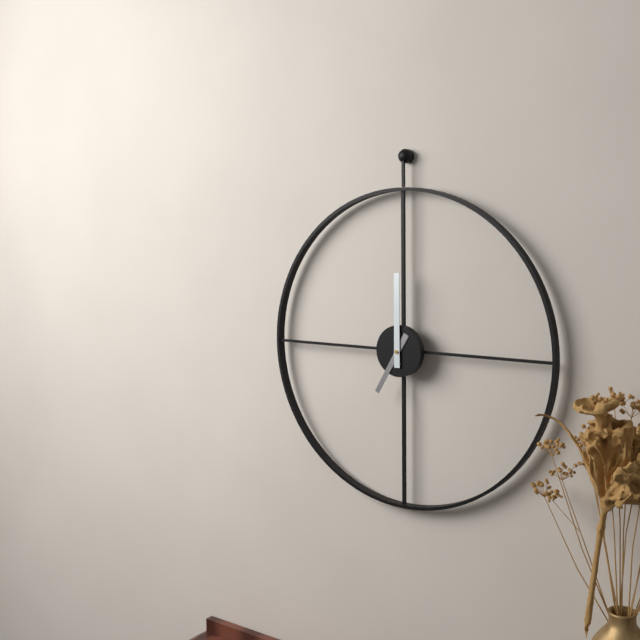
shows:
7,00
